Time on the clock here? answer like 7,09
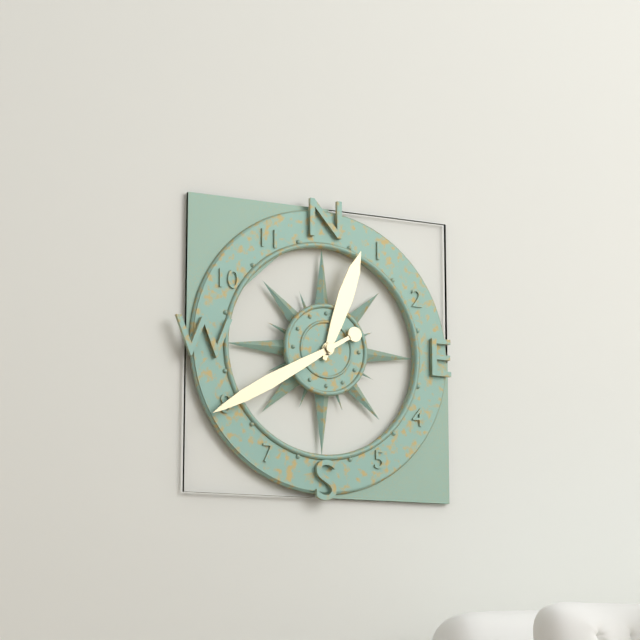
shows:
12,40
